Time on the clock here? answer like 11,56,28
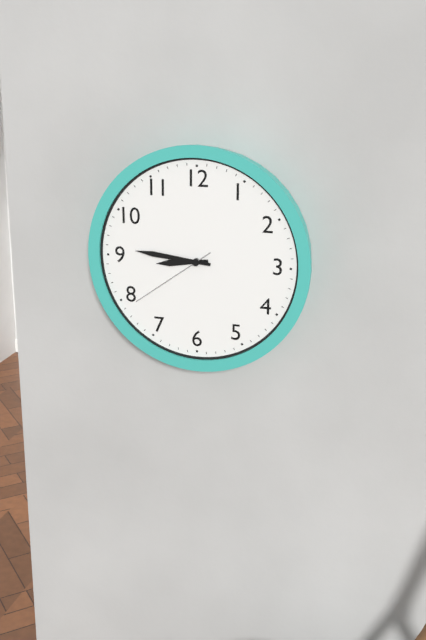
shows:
8,46,39
